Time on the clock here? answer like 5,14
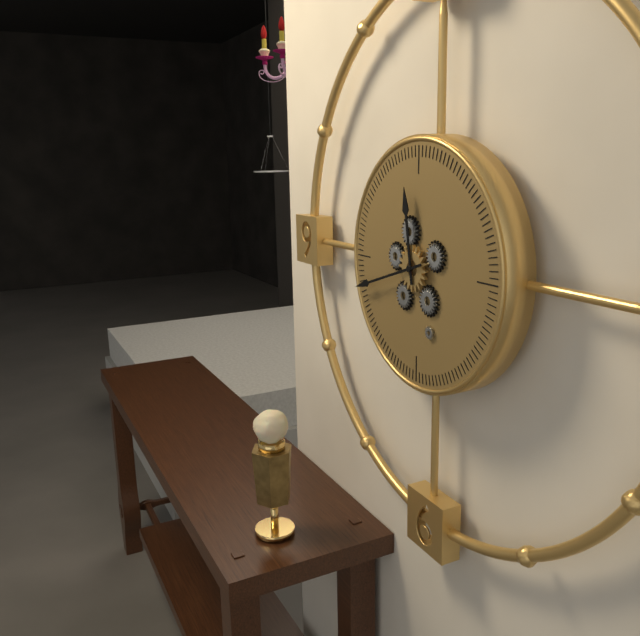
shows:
11,42
